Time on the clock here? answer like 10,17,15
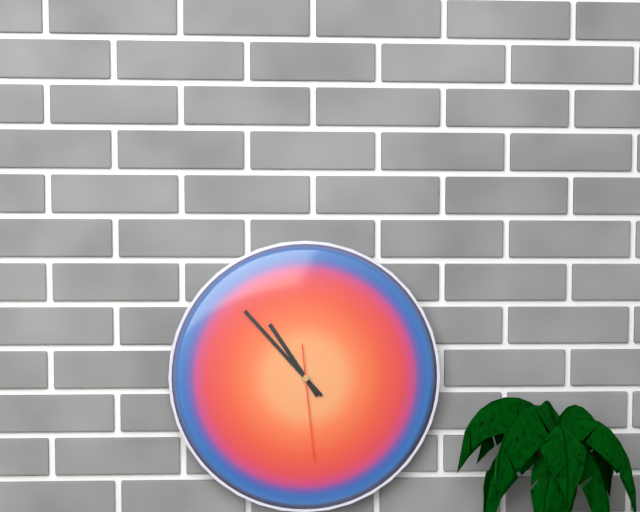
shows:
10,53,29
